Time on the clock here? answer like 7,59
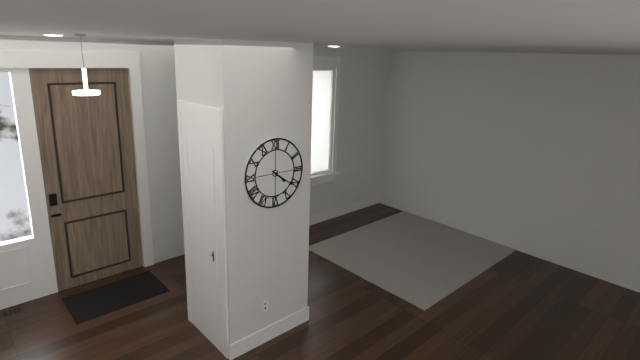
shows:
4,21
